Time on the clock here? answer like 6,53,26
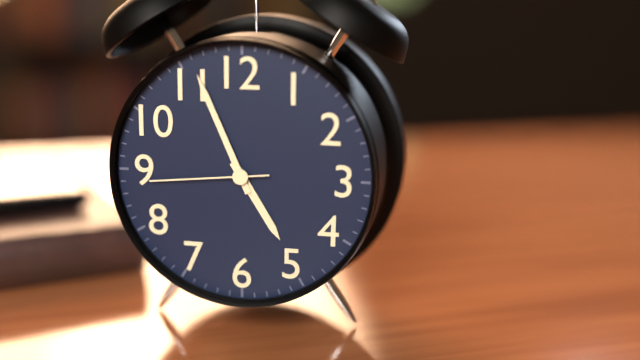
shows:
4,56,44
